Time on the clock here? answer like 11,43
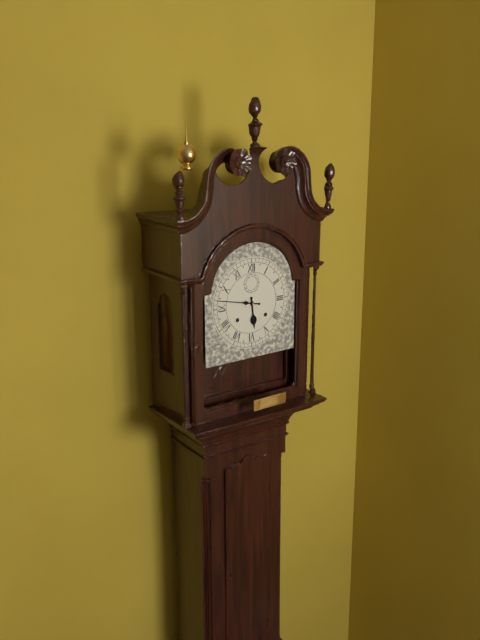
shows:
5,47
